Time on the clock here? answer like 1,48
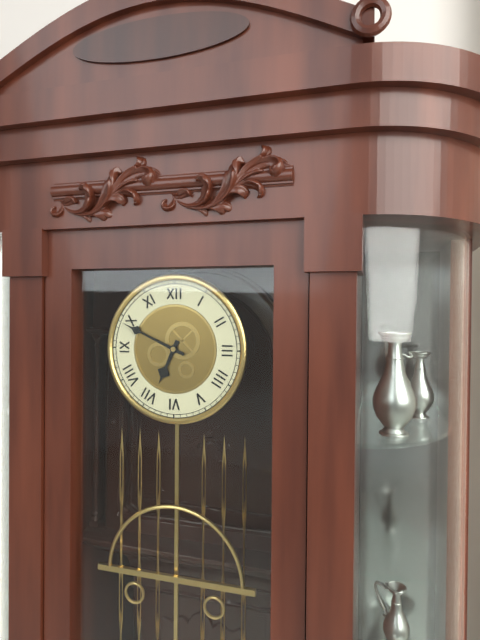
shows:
6,49
